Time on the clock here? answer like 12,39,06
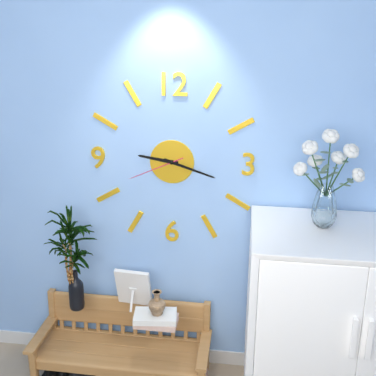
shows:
9,18,41
